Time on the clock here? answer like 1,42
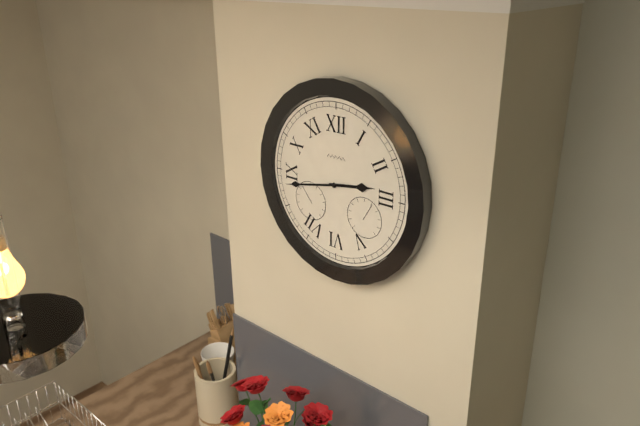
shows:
2,43
